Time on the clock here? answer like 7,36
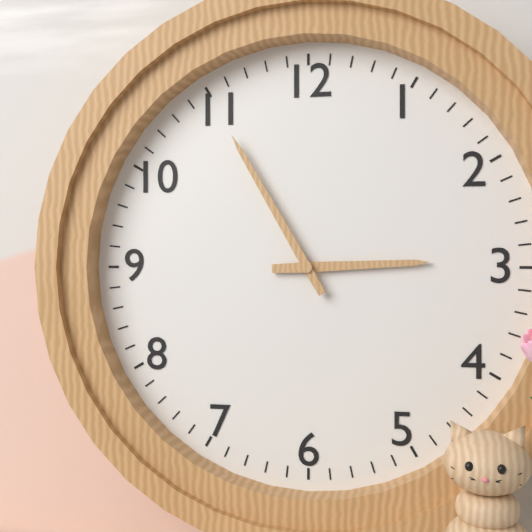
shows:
2,55
